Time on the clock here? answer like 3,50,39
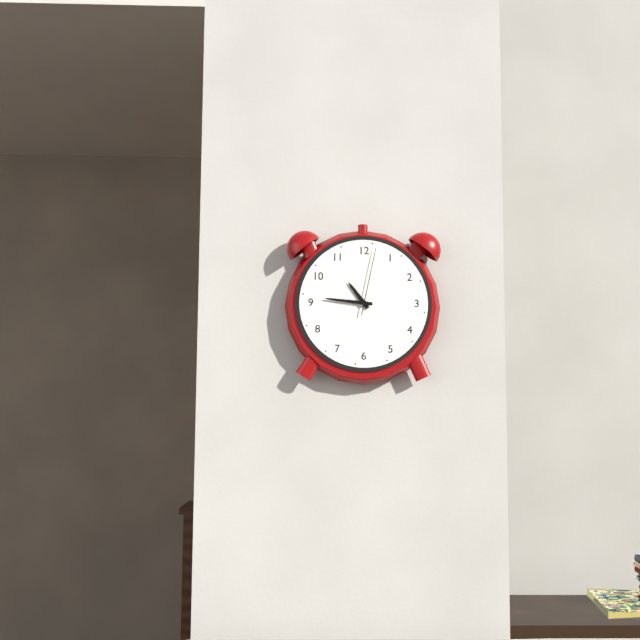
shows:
10,46,02
